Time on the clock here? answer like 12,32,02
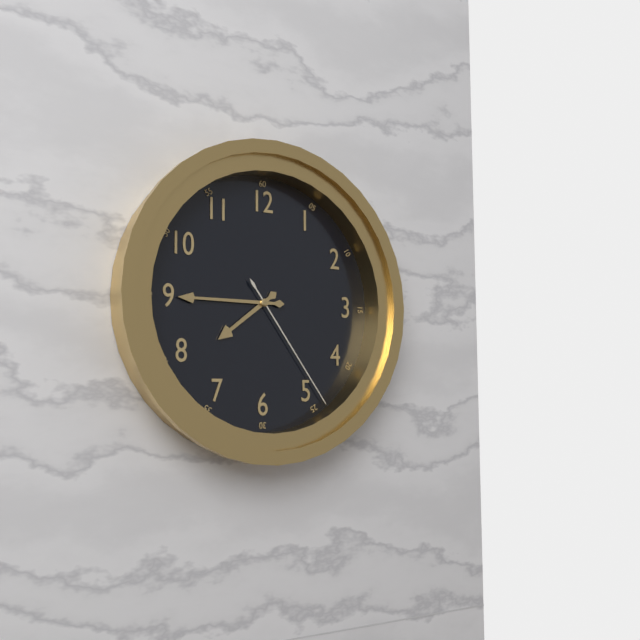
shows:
7,45,24
